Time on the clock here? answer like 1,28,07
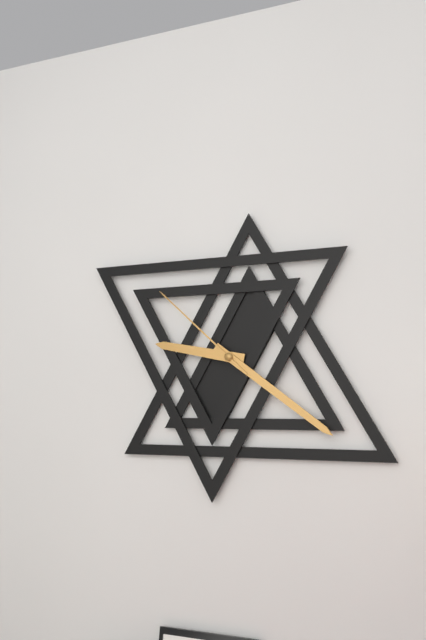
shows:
9,21,52
